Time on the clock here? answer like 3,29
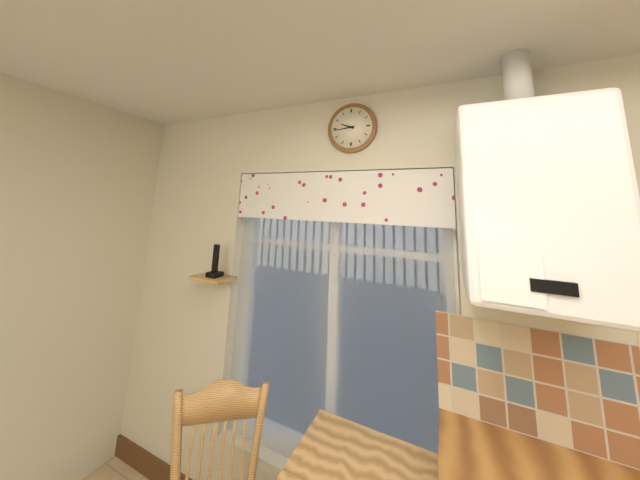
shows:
9,44
